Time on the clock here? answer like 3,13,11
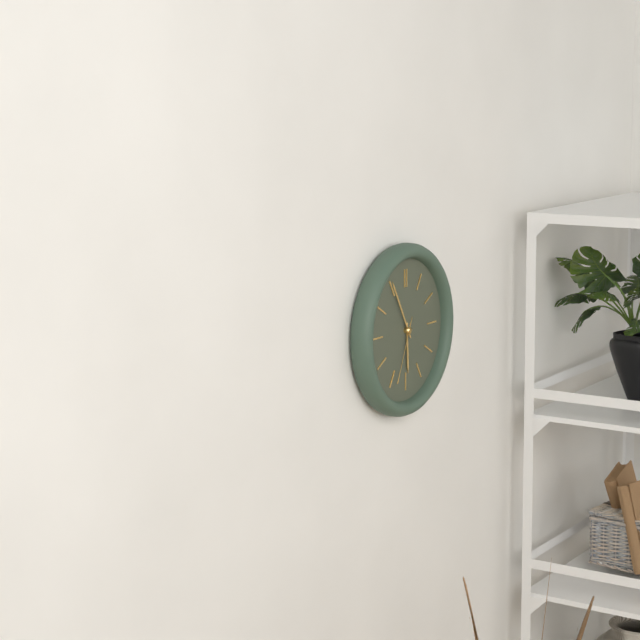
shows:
5,55,34
